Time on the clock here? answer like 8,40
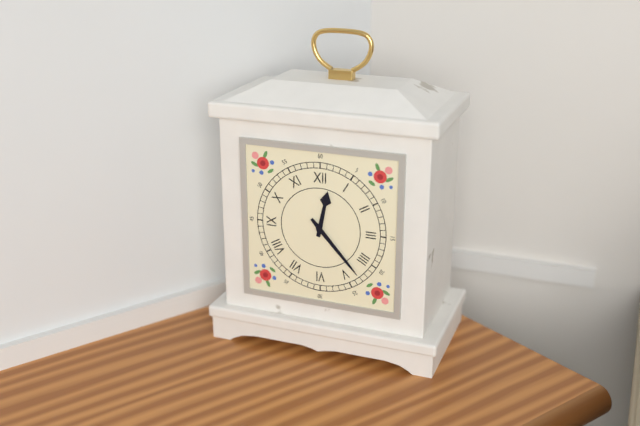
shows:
12,23
